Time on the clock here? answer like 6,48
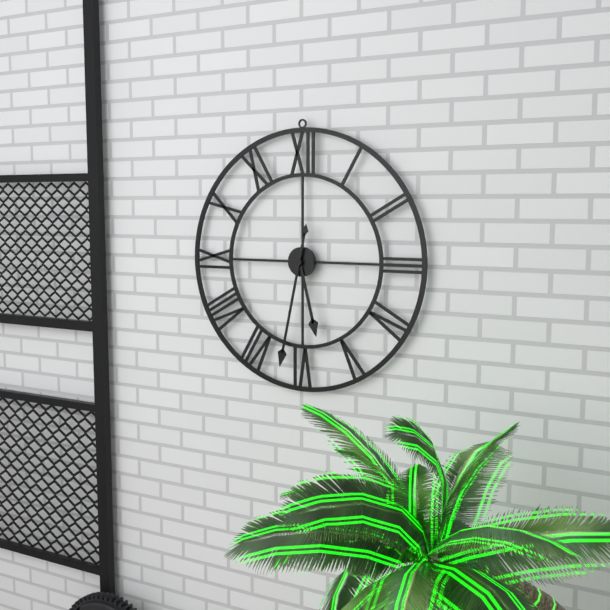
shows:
5,32
